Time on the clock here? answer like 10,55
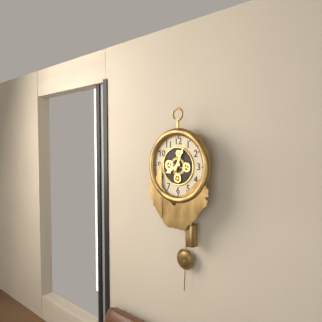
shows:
8,04
